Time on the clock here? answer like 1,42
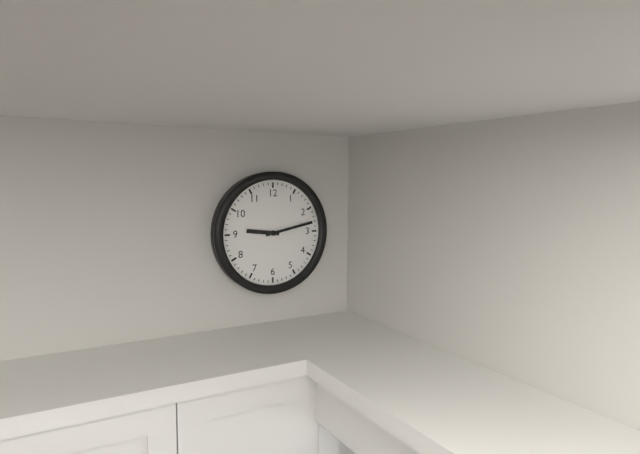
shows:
9,13
